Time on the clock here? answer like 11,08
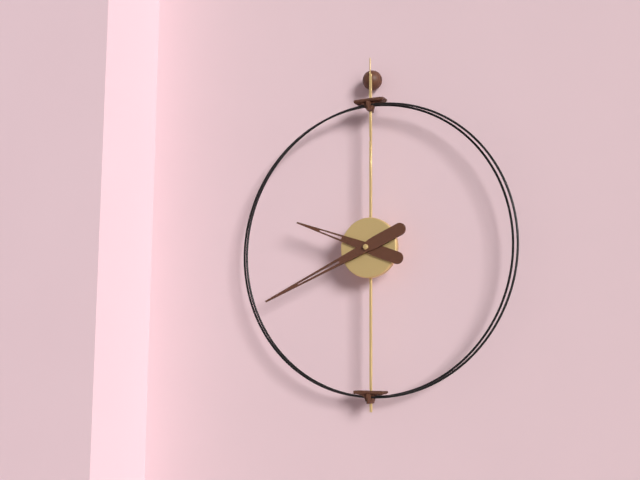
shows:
9,41
